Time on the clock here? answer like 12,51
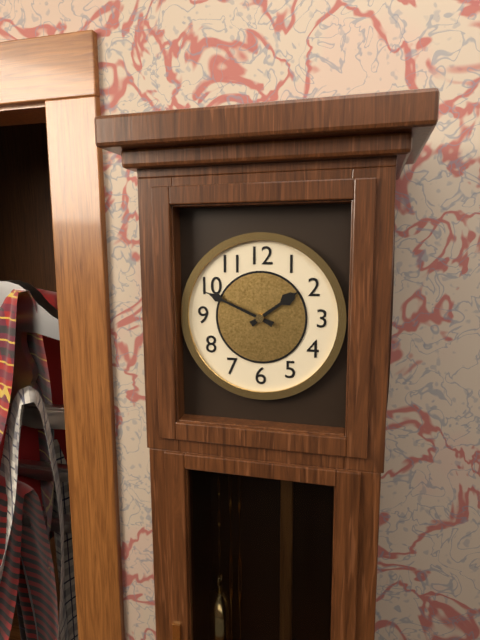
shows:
1,49
